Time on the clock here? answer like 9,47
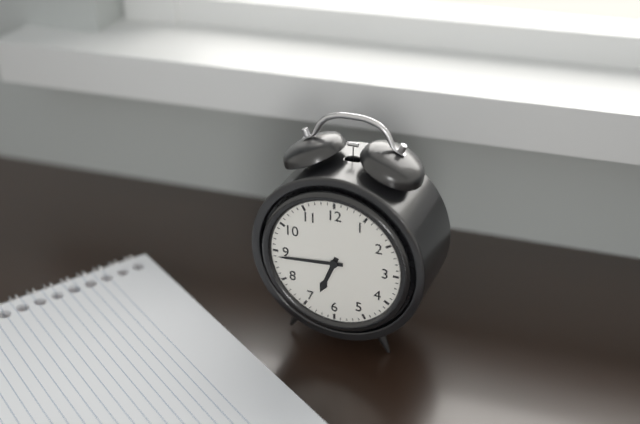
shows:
6,44
